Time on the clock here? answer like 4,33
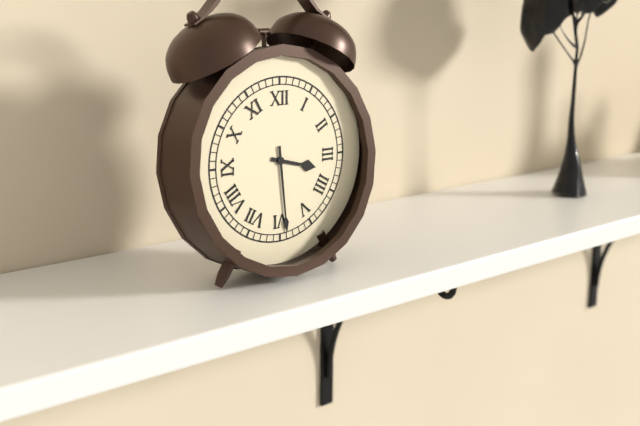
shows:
3,29
